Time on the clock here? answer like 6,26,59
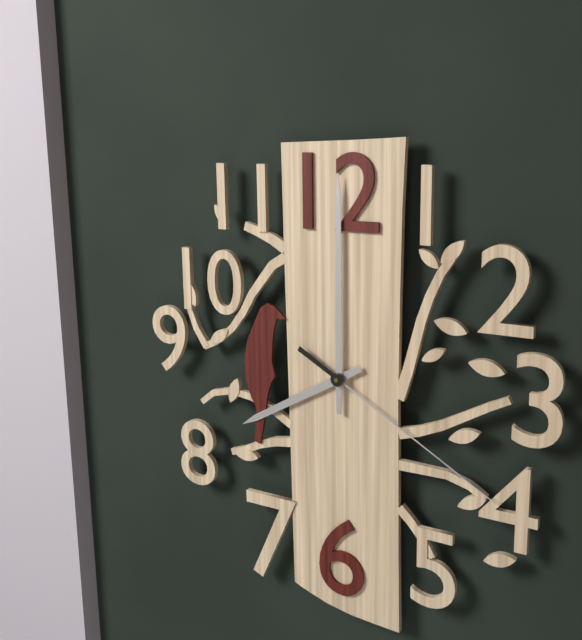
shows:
8,00,20
